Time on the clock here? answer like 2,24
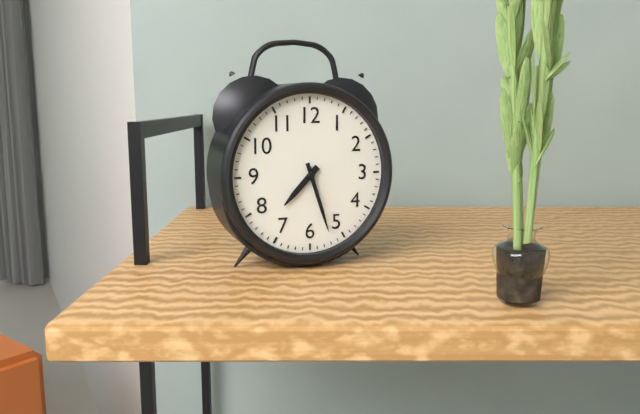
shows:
7,27
